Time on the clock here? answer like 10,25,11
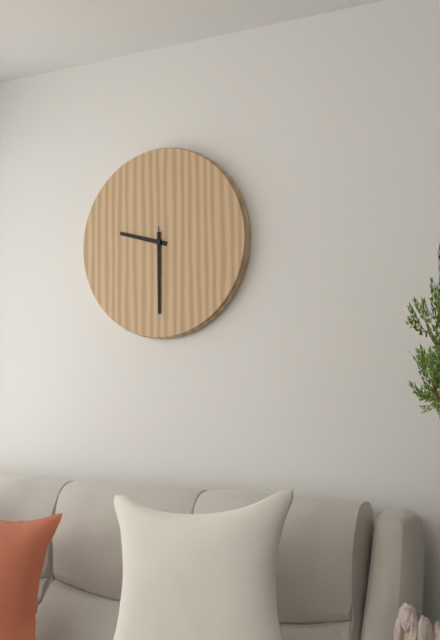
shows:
9,30,30
